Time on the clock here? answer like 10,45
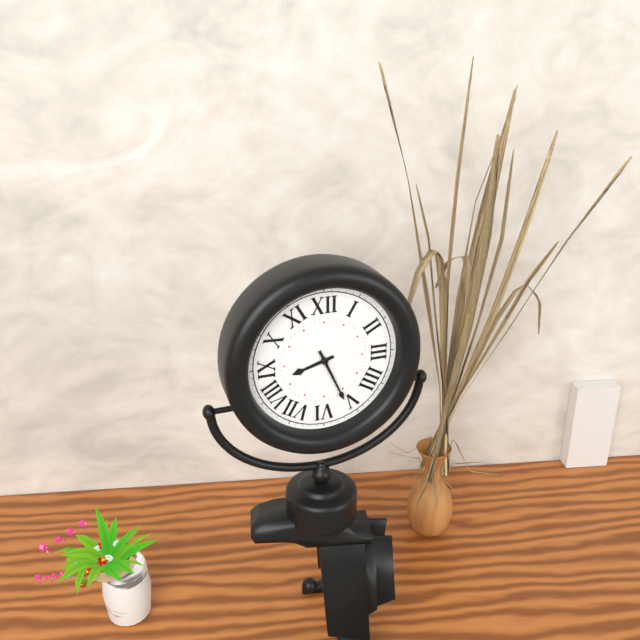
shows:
8,26
